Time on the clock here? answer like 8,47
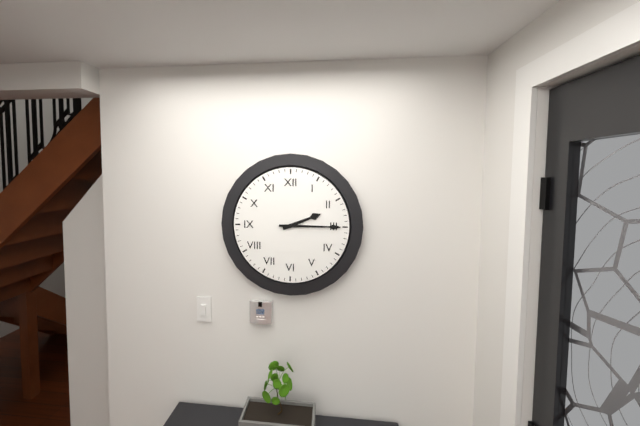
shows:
2,15
